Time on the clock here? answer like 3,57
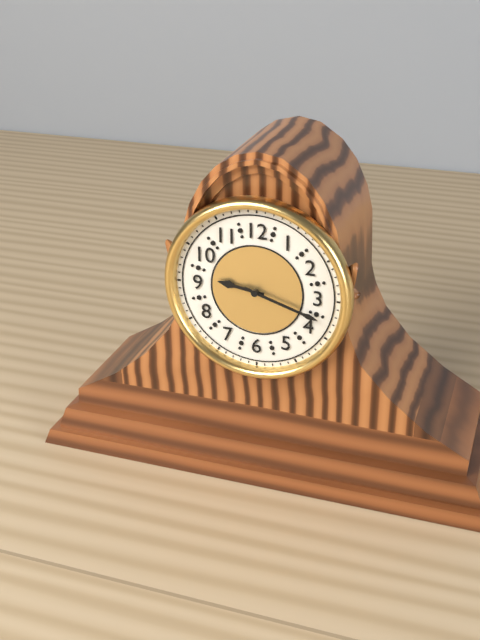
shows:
9,18
